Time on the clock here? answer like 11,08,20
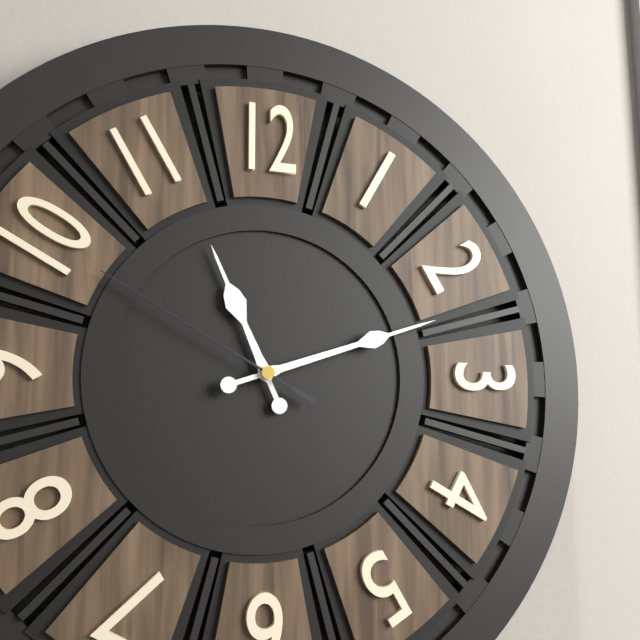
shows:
11,12,50
